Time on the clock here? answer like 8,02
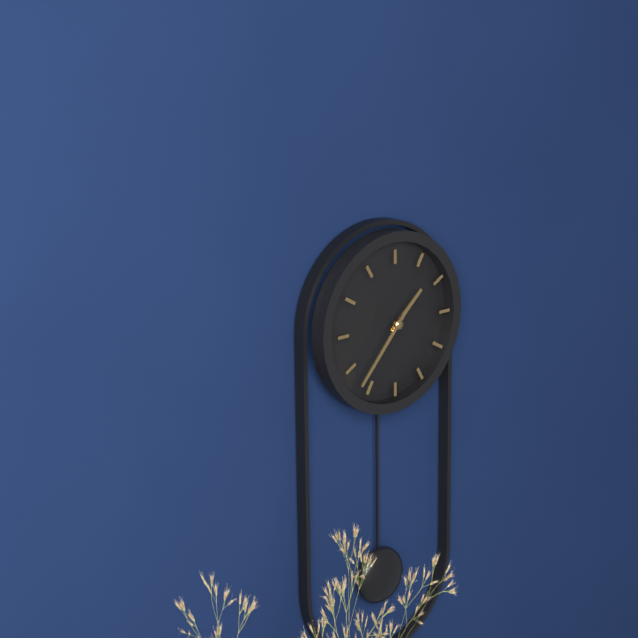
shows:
1,37
